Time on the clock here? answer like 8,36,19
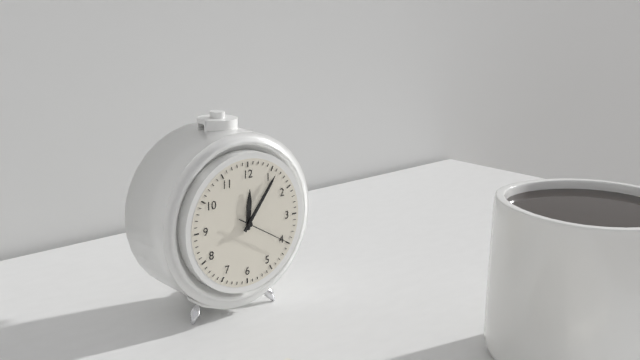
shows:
12,06,20
